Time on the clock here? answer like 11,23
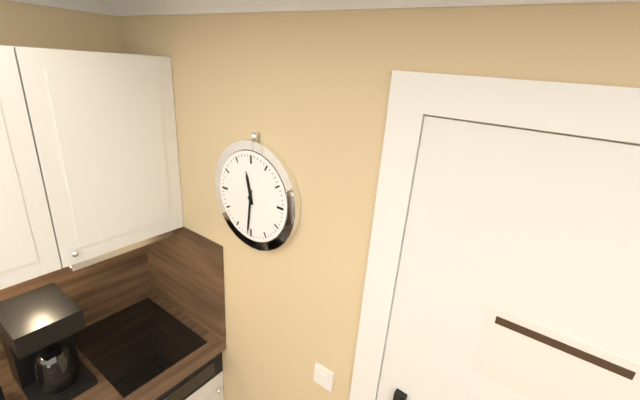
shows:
11,31
